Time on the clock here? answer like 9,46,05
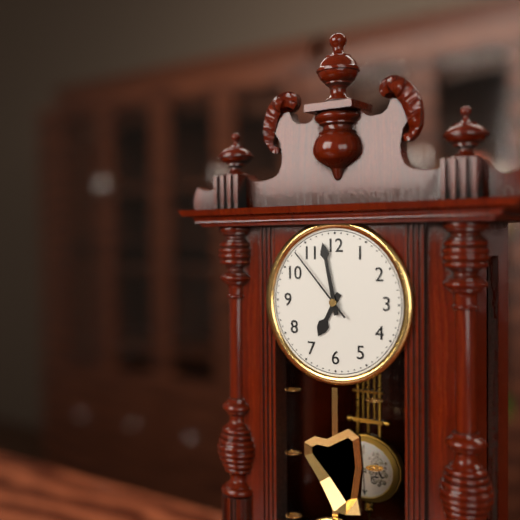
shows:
6,58,53
